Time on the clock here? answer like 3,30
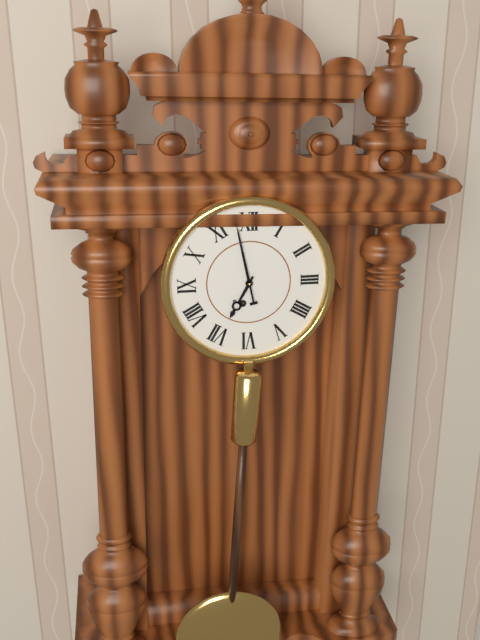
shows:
6,58
